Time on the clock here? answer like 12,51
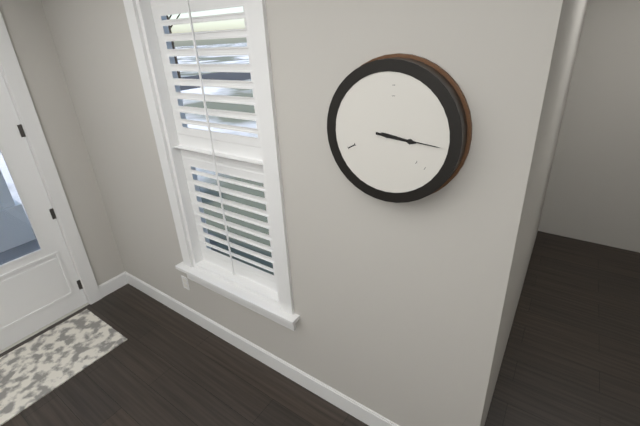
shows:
3,16
